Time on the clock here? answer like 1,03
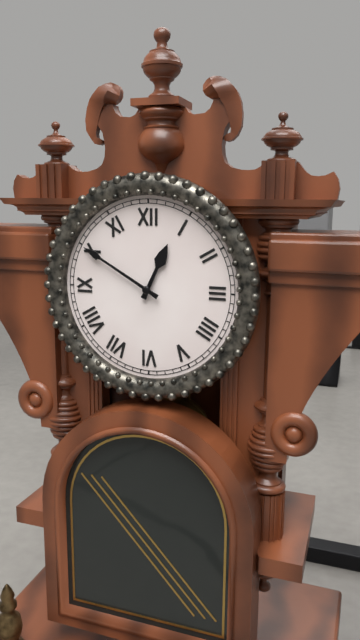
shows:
12,50
